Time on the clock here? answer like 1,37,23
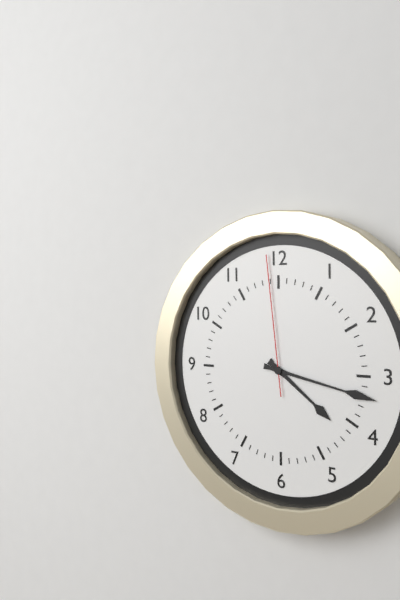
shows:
4,17,59
